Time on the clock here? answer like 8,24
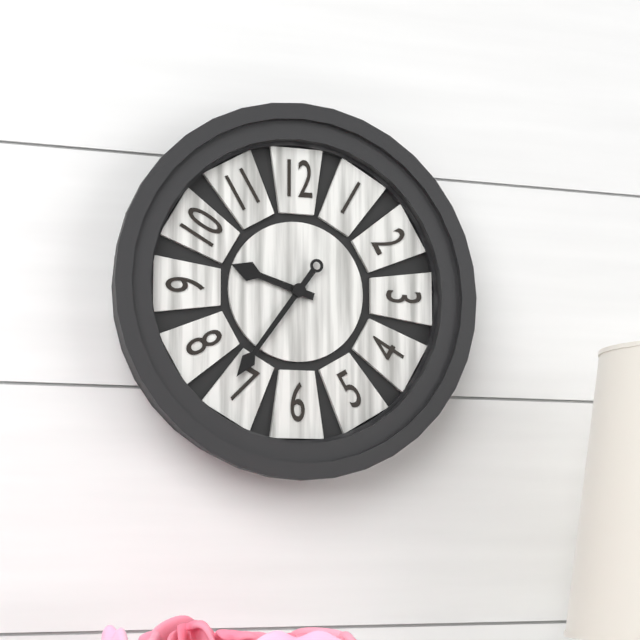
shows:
9,36
